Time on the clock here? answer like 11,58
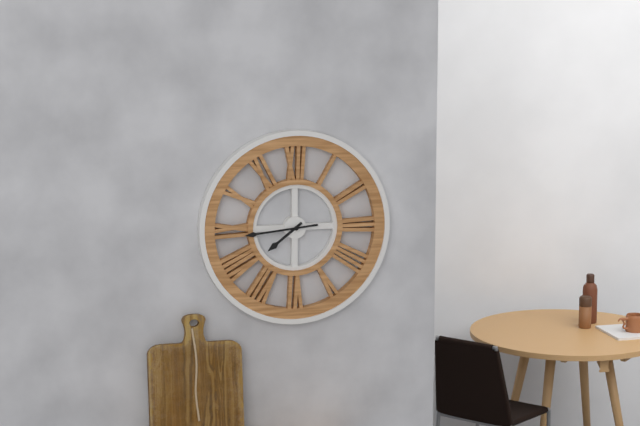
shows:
7,44
